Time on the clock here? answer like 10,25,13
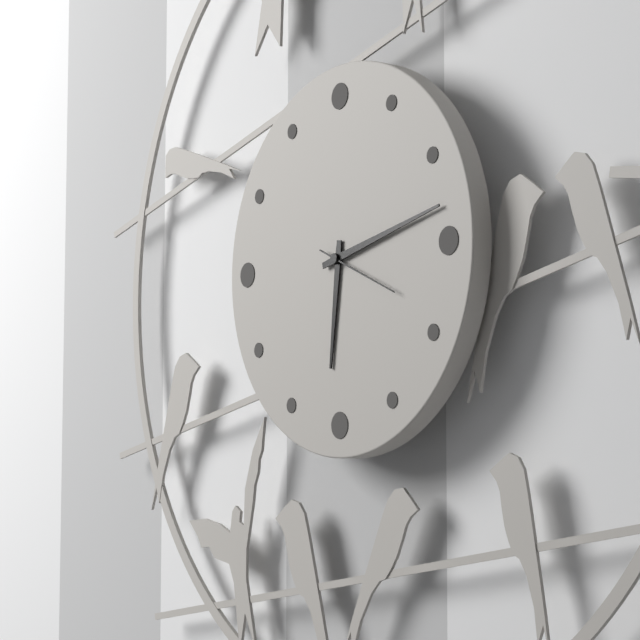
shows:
6,13,19
